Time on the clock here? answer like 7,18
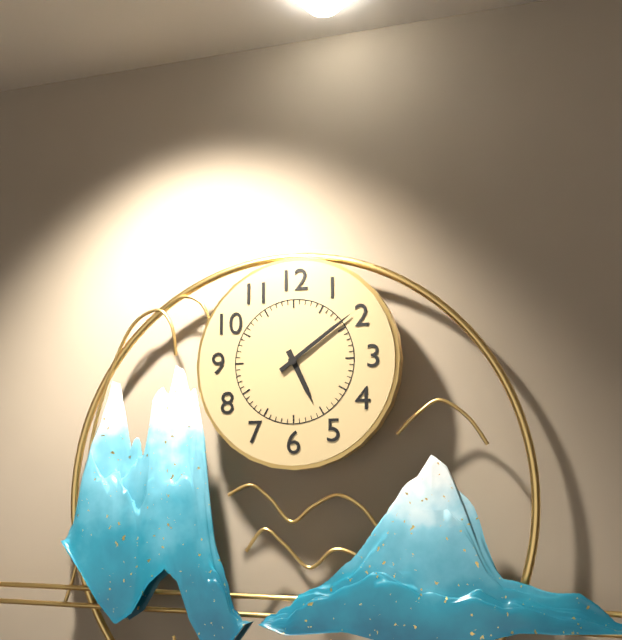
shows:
5,09
